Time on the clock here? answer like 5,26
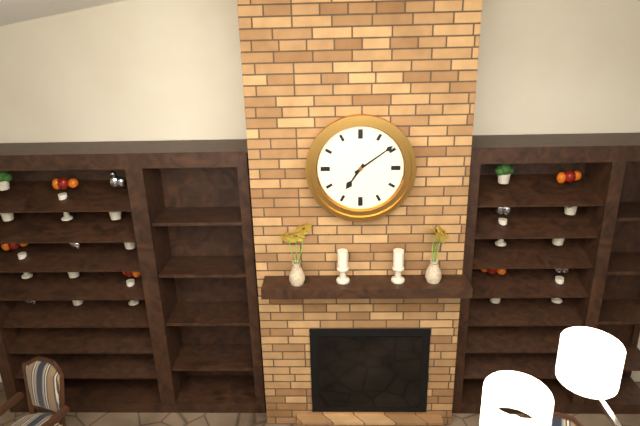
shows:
7,09
